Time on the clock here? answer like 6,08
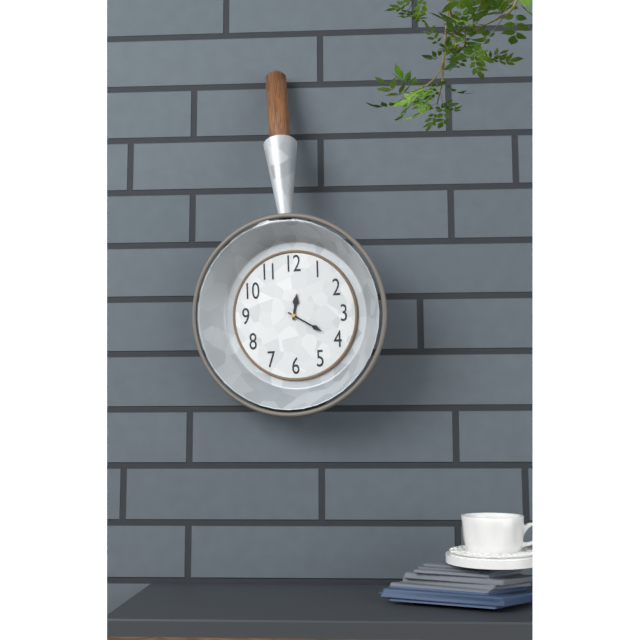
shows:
12,20
